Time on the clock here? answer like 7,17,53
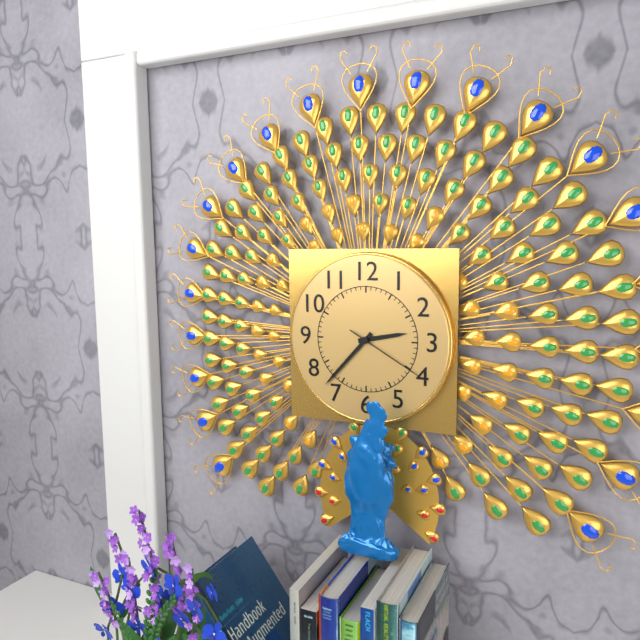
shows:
2,37,20
